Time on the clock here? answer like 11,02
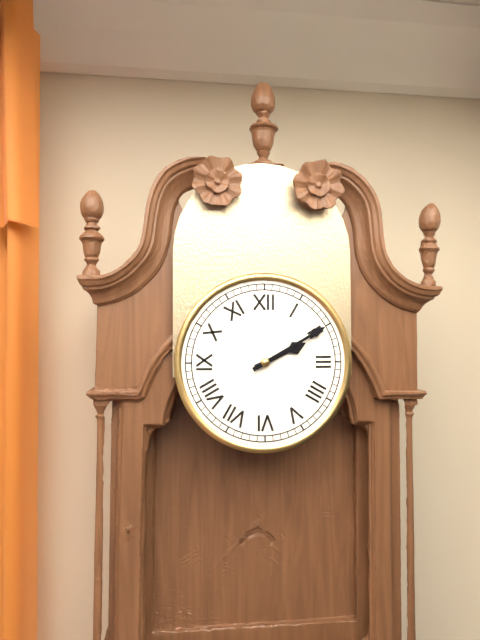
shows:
2,10
